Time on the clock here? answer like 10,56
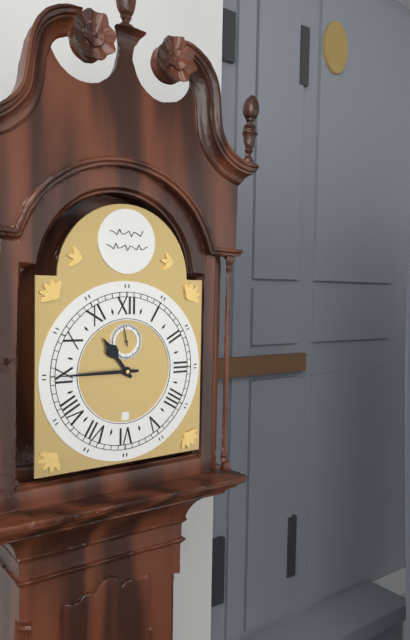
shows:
10,45
